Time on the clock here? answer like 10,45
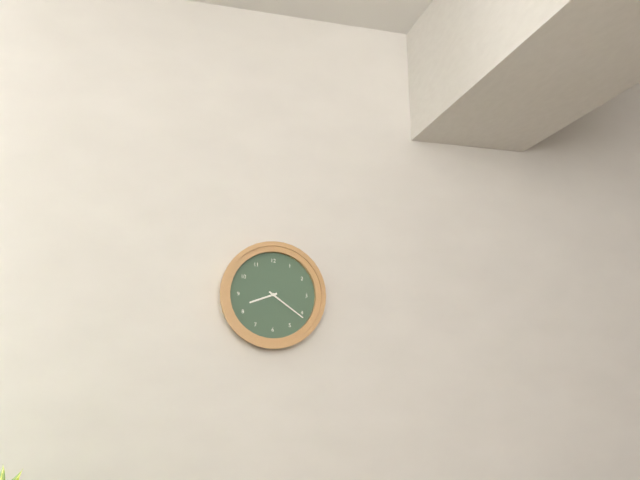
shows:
8,21
